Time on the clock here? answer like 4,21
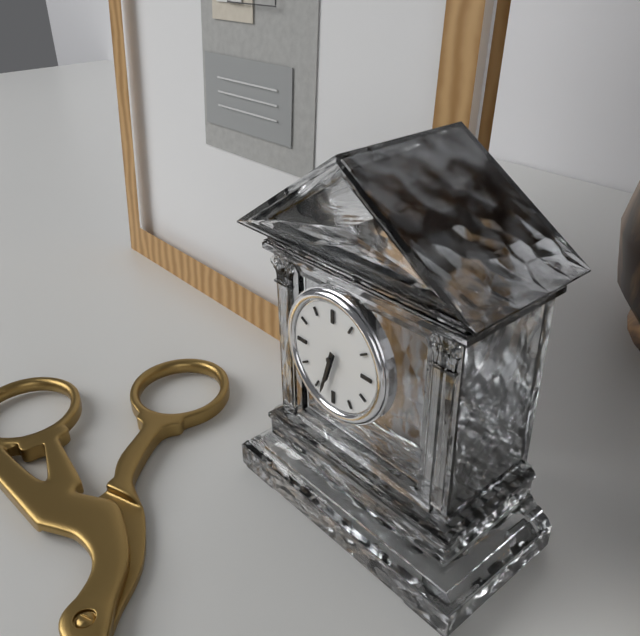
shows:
6,33
